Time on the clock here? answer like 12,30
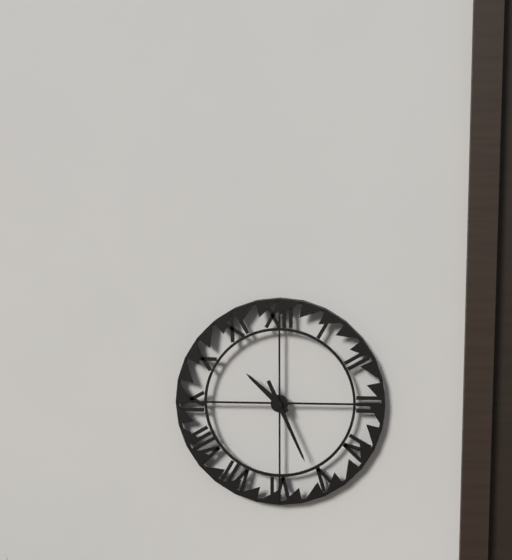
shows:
10,26
